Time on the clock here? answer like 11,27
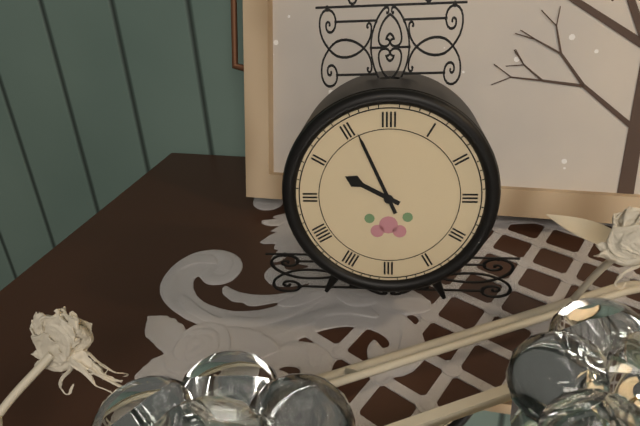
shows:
9,56
